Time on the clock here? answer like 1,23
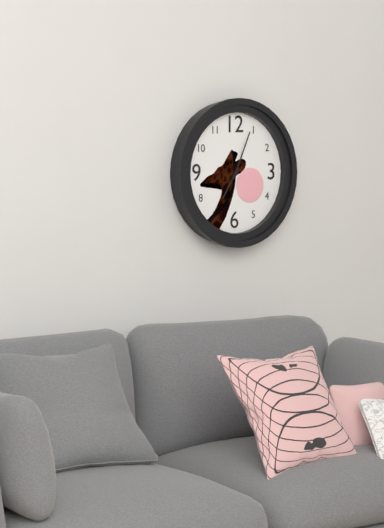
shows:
7,04
